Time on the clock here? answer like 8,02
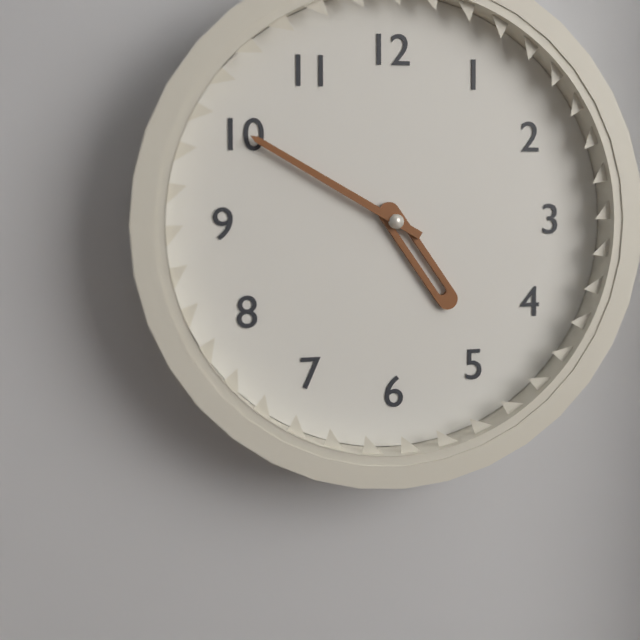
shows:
4,50
